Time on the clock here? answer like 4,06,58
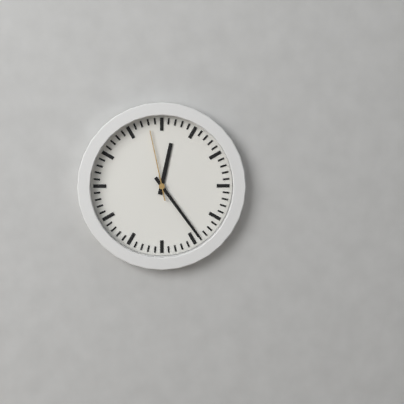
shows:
12,24,58
